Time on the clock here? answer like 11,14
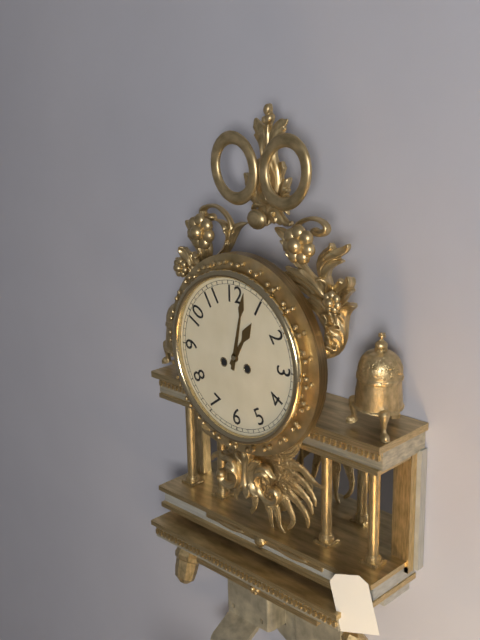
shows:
1,02
